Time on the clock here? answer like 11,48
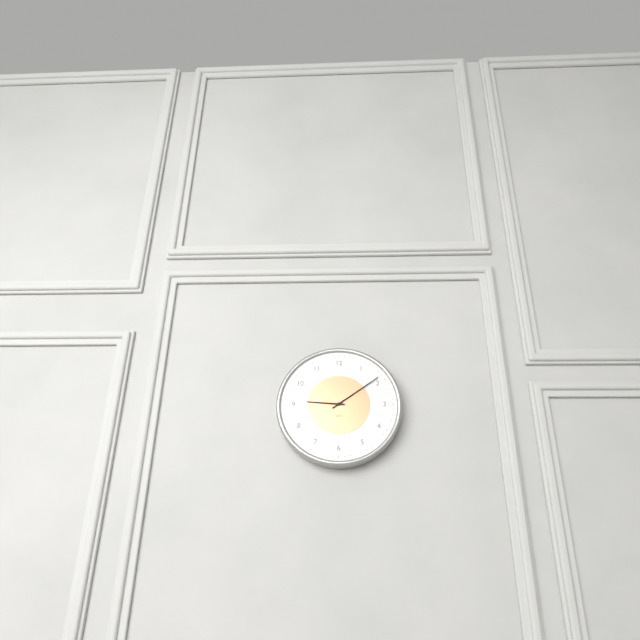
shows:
9,09
